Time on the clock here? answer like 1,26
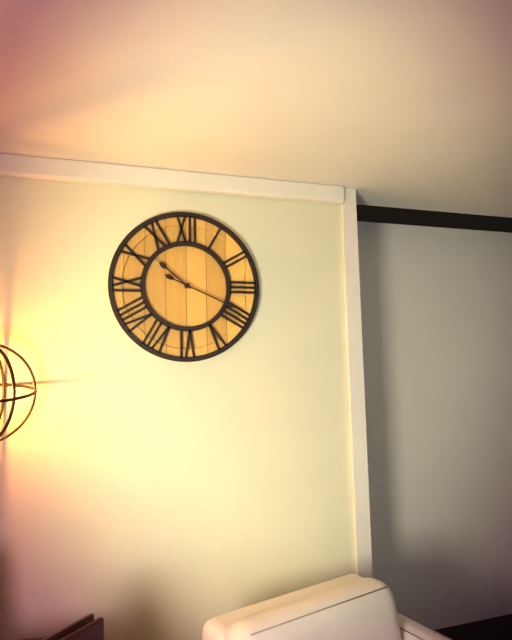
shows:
10,19
